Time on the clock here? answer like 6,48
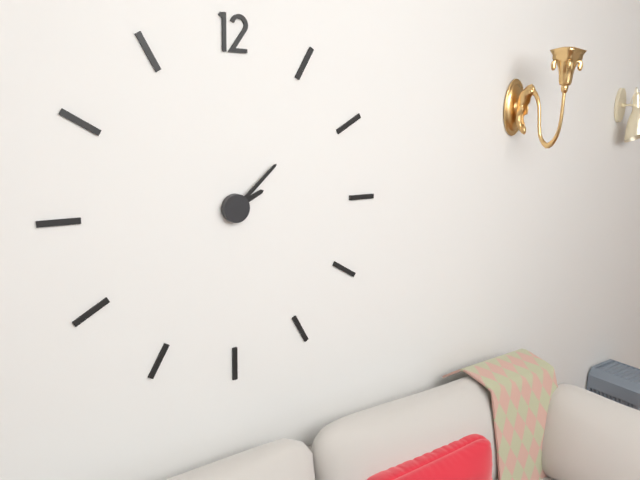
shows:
2,08
